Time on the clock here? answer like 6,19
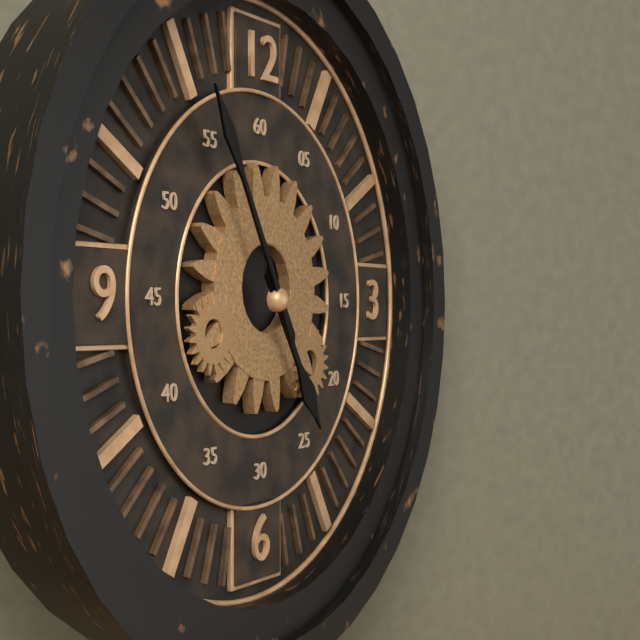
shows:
4,55
